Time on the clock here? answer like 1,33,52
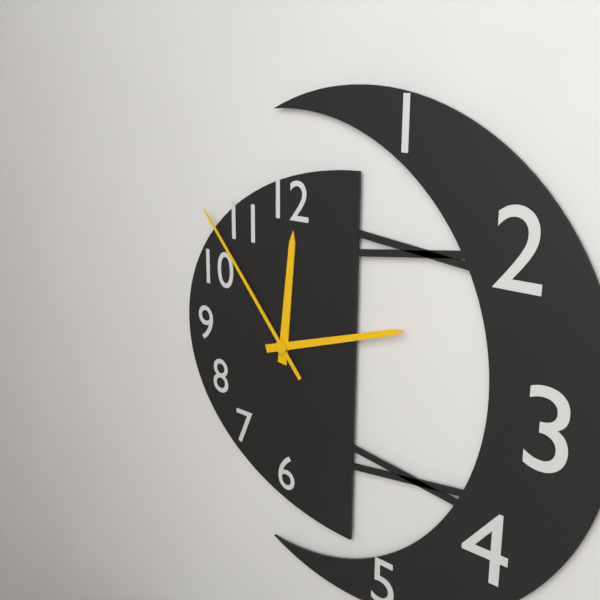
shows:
12,12,53
